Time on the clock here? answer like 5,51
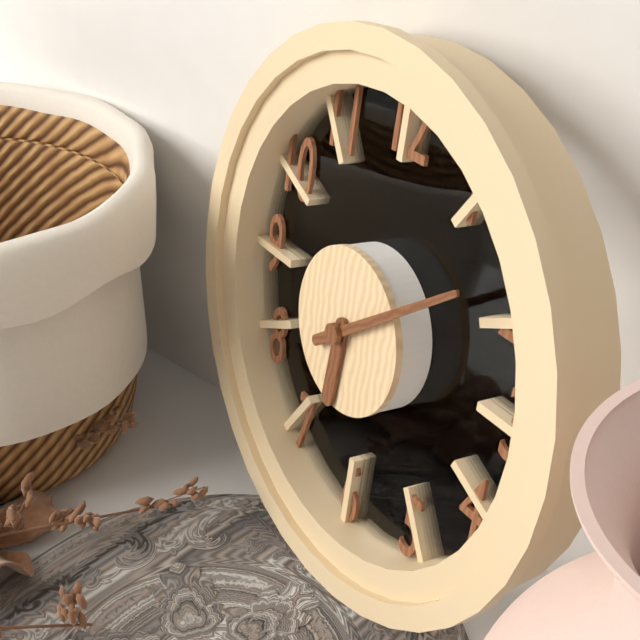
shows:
6,09
